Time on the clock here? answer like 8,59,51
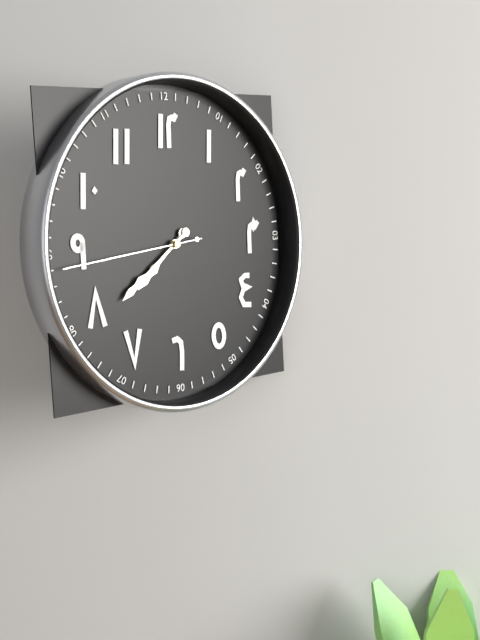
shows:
7,39,44
